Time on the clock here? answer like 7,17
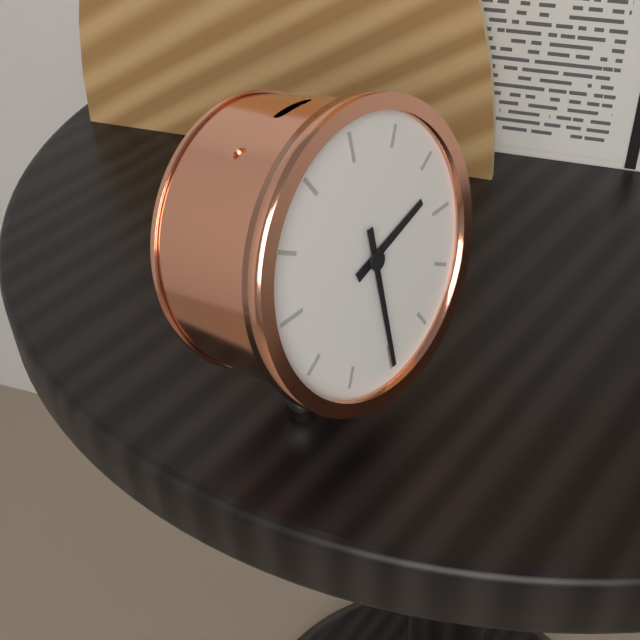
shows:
2,30
